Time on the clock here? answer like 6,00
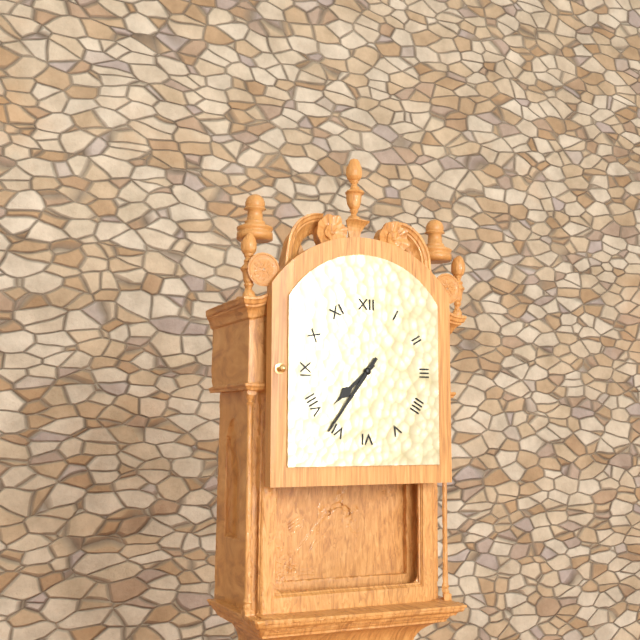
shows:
7,36
